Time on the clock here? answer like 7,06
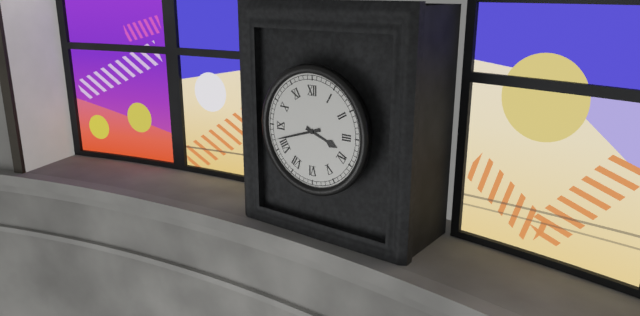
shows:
3,42
